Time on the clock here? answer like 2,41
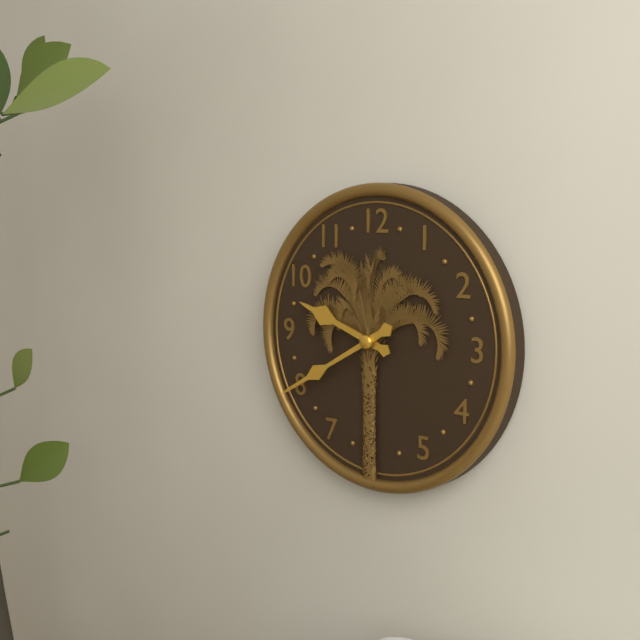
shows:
9,40
